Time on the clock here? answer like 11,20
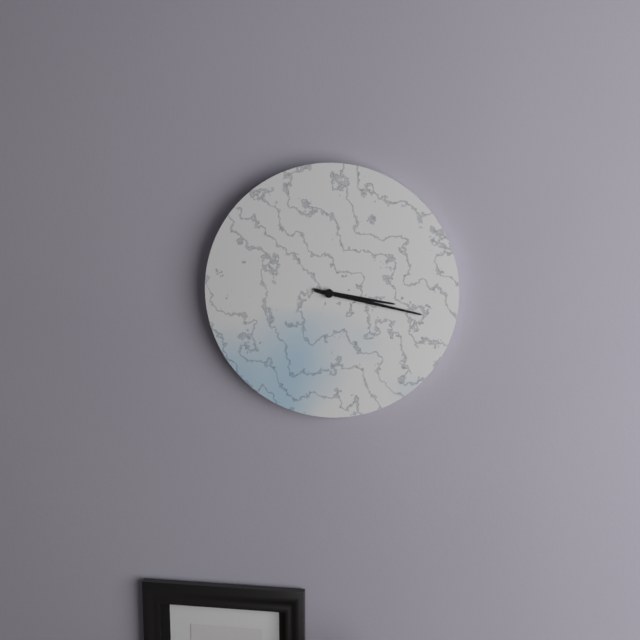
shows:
3,17
